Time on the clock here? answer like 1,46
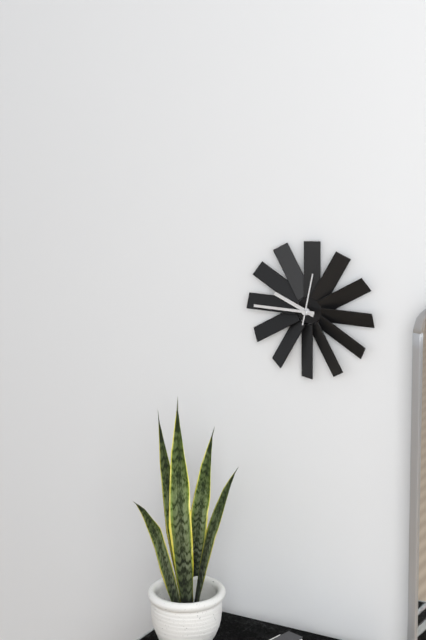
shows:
9,45
